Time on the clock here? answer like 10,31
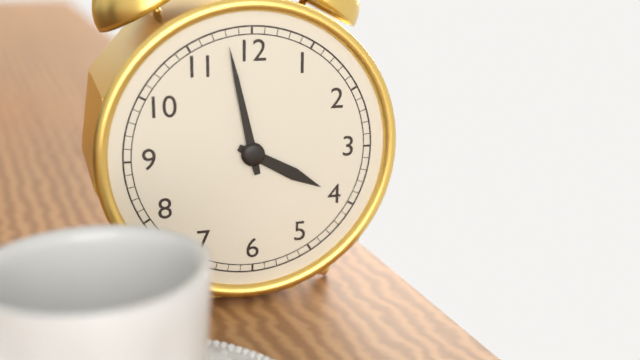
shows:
3,58
